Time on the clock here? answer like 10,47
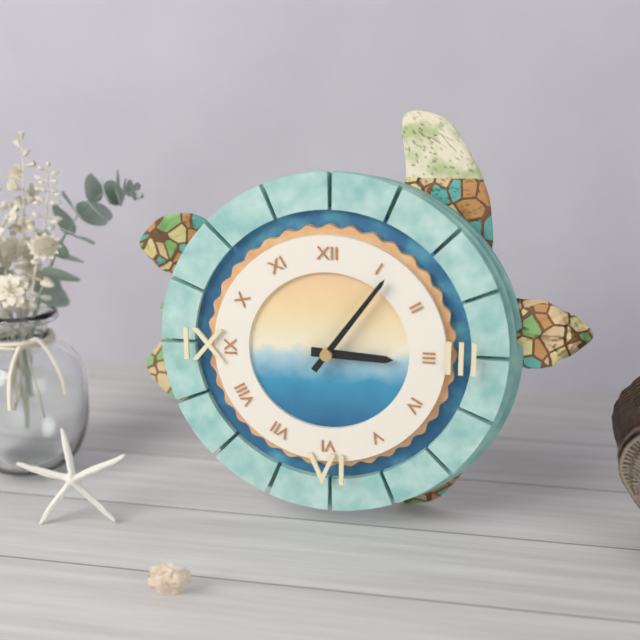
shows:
3,06
